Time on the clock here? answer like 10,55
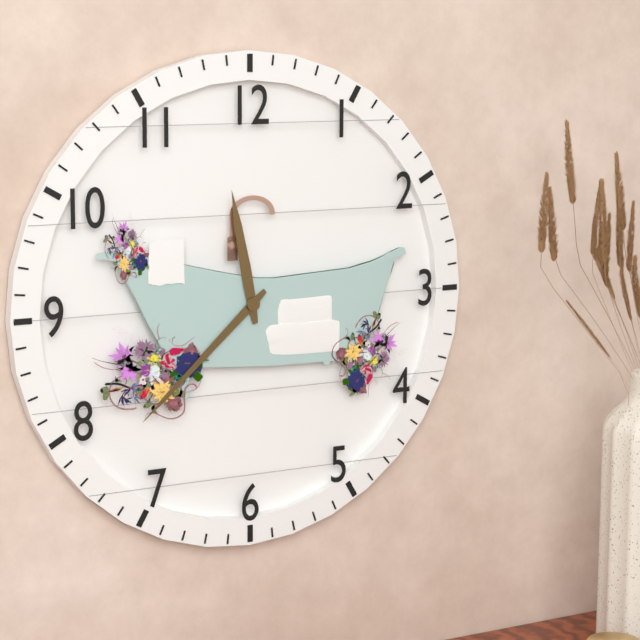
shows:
11,38
